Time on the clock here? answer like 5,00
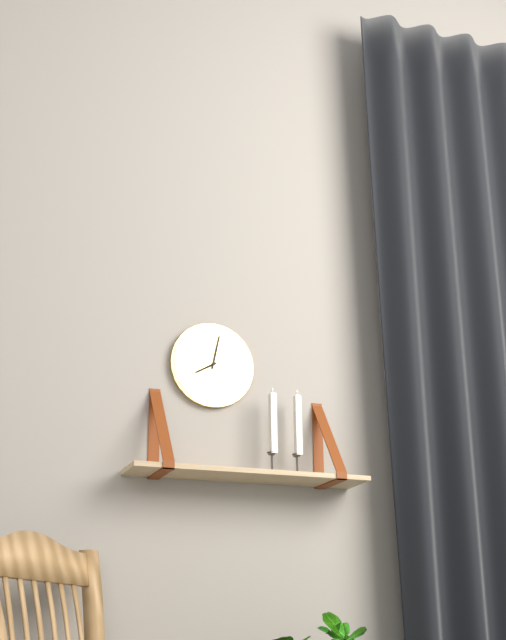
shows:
8,02
